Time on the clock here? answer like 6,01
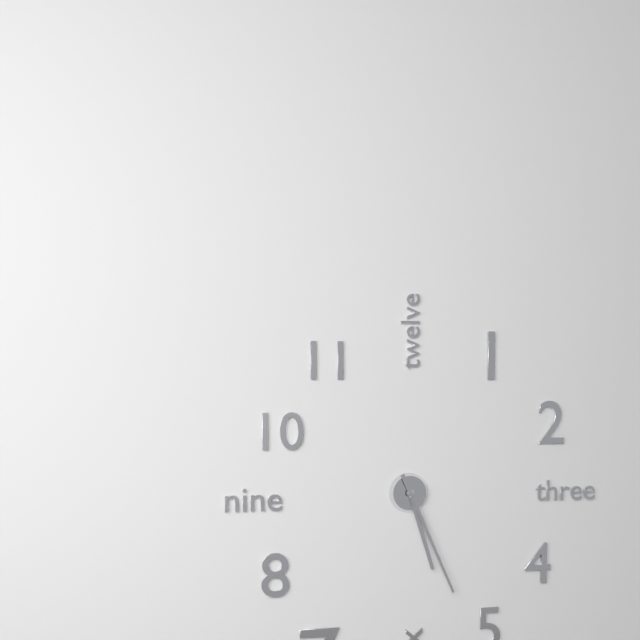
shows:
5,26
